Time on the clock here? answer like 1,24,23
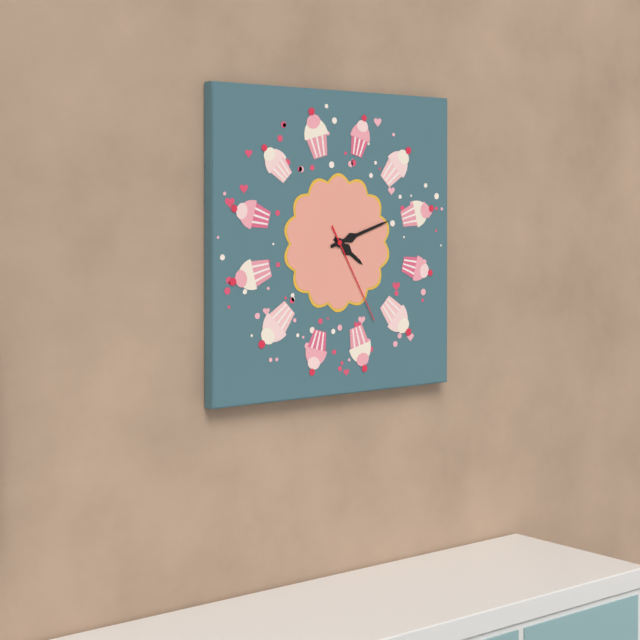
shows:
4,12,25
